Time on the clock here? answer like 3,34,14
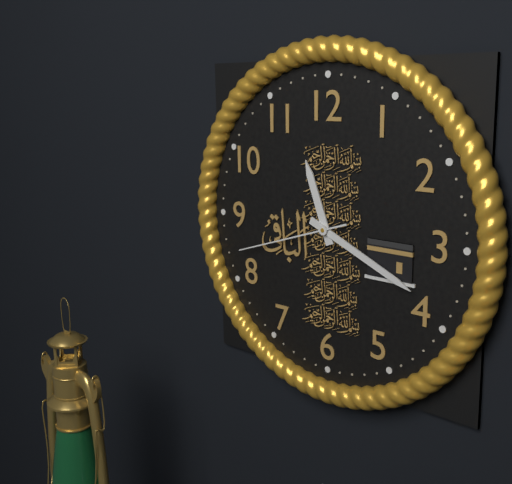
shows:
11,19,42
